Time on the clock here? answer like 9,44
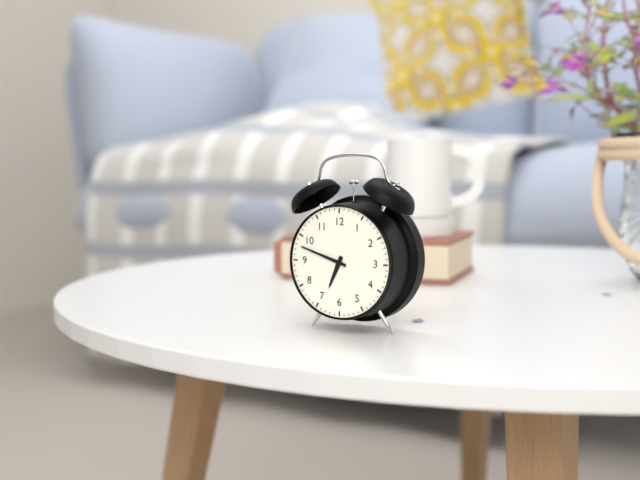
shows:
6,48
